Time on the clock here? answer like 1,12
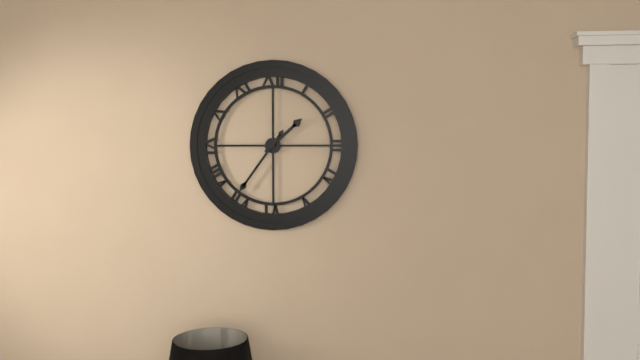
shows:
1,36
